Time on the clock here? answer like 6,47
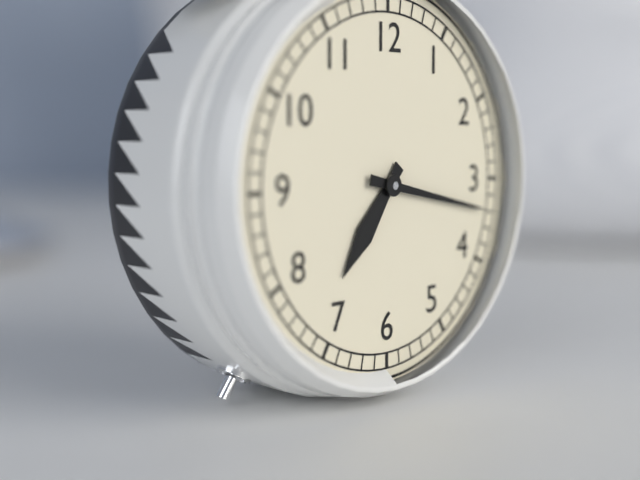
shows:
7,17
